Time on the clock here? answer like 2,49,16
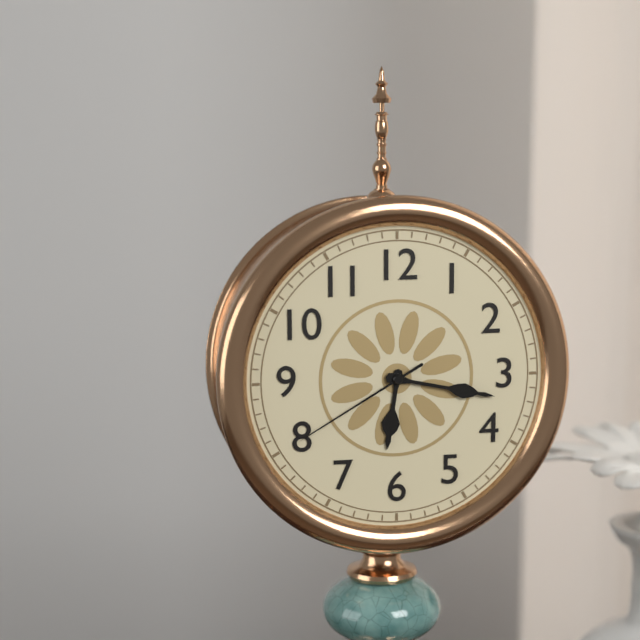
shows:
6,17,40
